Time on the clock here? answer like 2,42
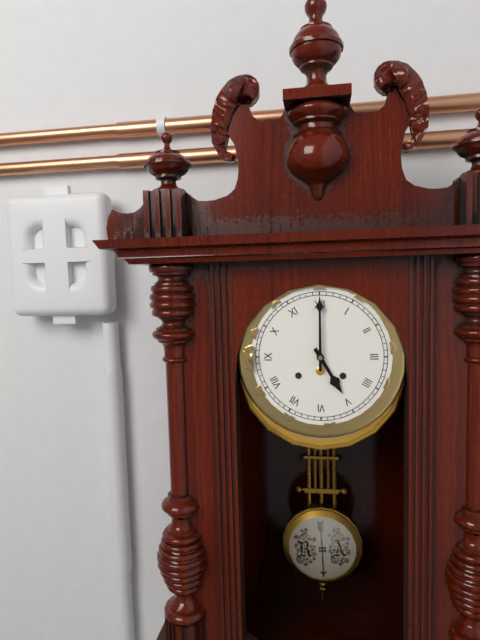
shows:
5,00
